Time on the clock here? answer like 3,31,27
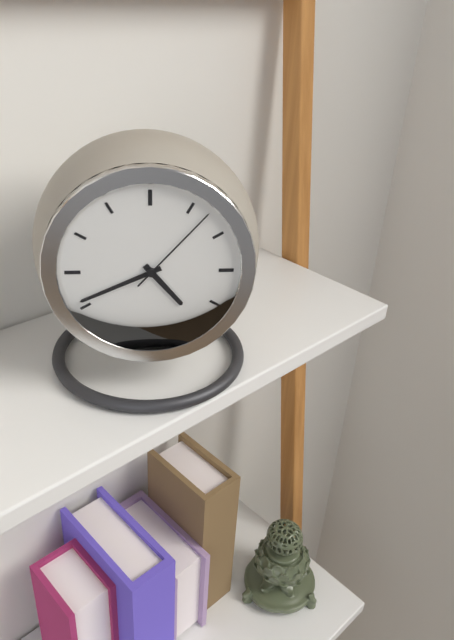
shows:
4,41,07
